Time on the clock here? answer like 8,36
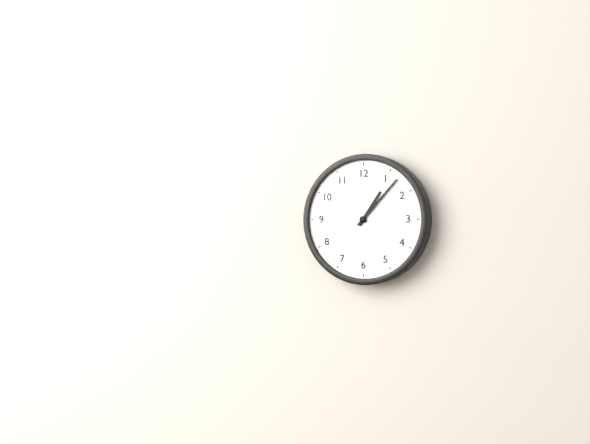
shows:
1,07
